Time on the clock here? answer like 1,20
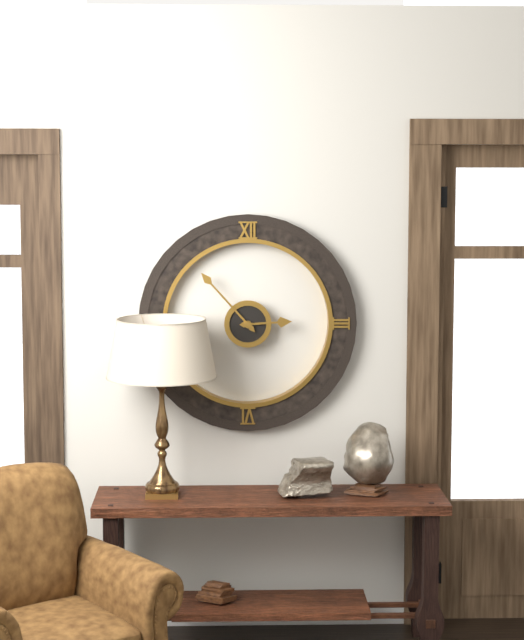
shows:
2,53
